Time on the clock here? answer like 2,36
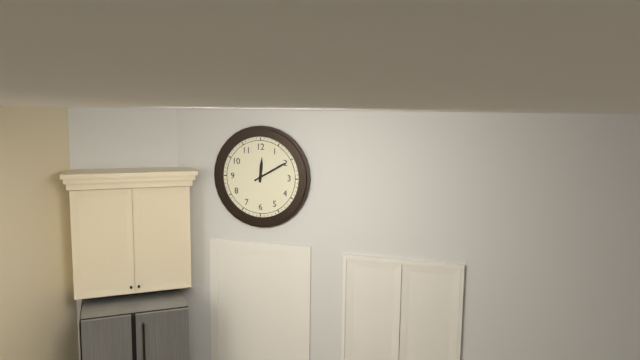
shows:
12,10
